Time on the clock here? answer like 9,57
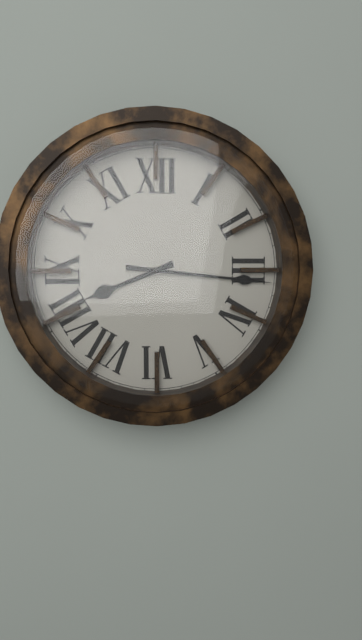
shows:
8,16
